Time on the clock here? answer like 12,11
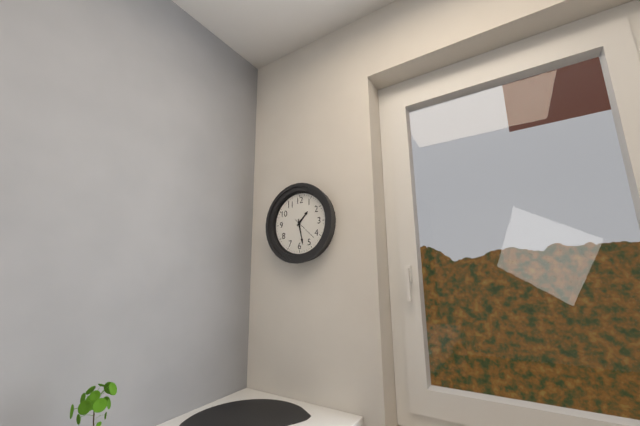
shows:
1,28
